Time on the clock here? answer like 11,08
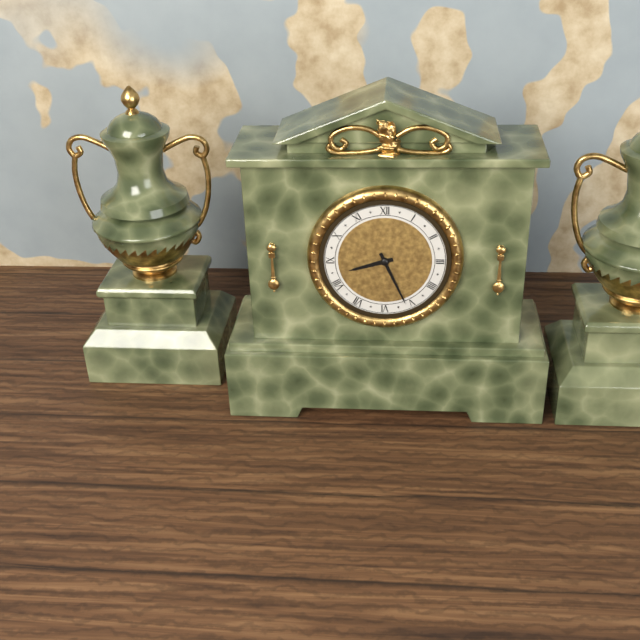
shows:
8,26
